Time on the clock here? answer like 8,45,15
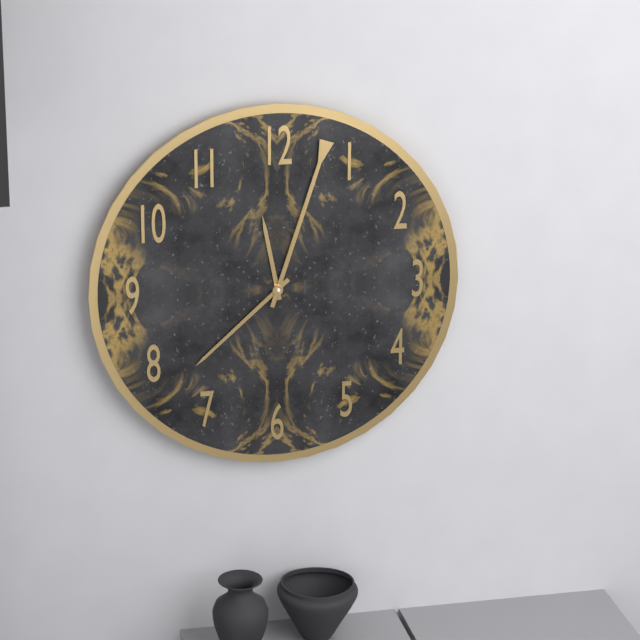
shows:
11,38,03
